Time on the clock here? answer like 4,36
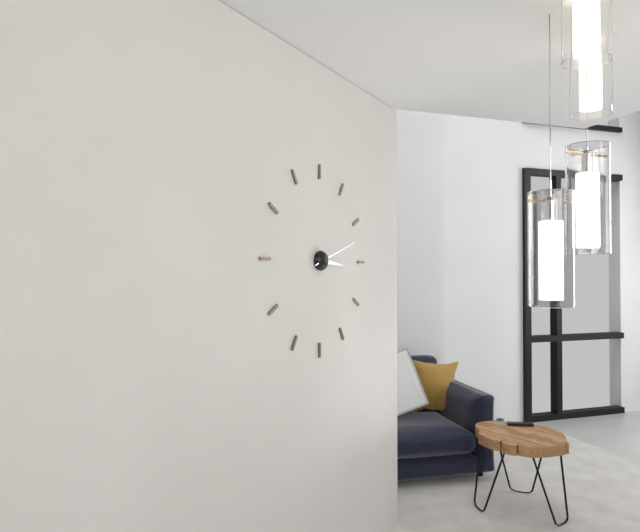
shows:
3,12
